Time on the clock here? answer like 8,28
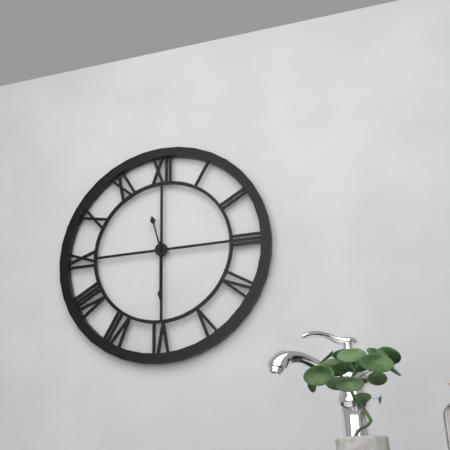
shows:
11,30
